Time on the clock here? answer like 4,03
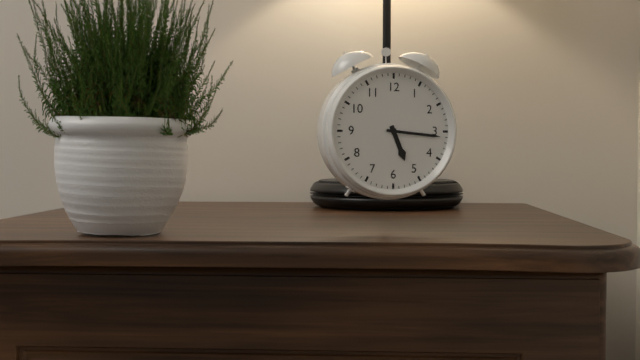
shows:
5,16
